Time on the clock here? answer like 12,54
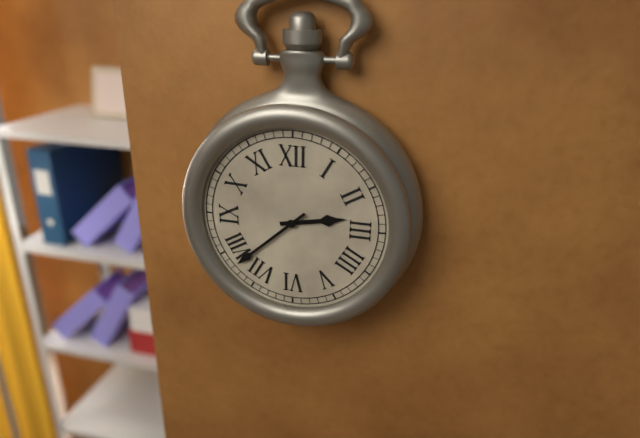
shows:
2,38
